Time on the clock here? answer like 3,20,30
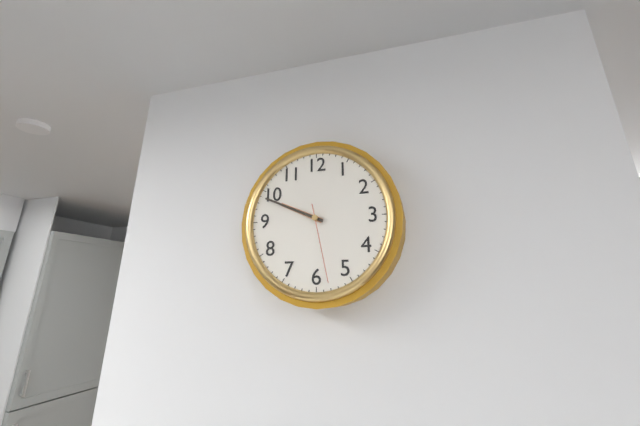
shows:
9,49,28
